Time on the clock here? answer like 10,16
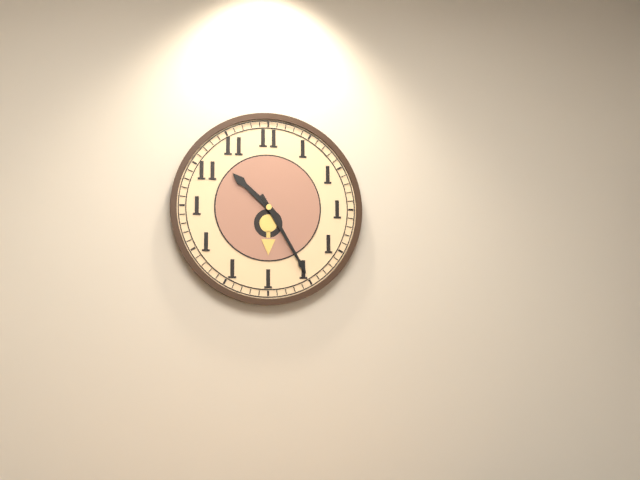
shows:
10,25
